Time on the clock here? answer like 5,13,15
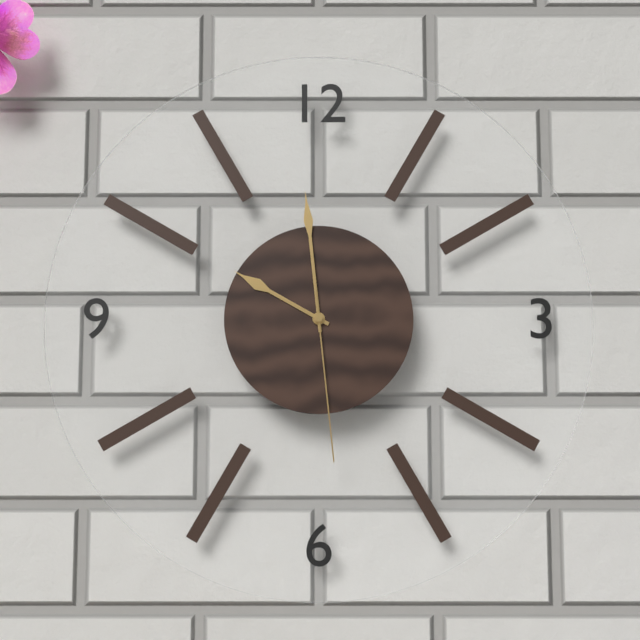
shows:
9,59,29
